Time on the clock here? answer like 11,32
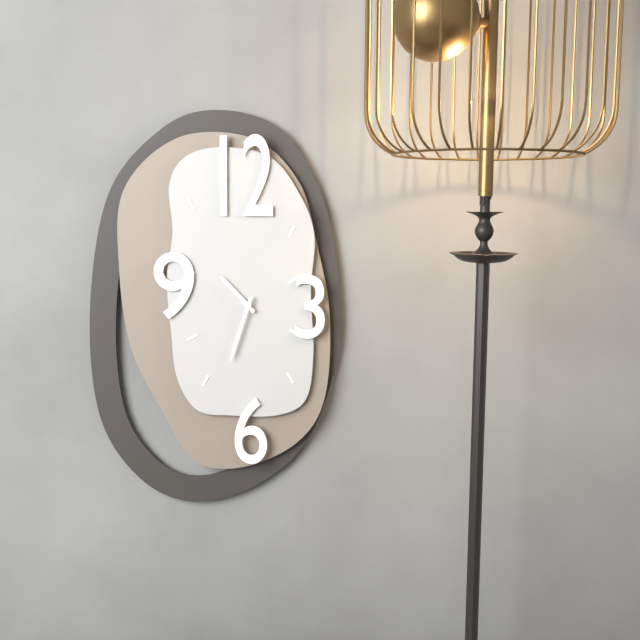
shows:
10,33
